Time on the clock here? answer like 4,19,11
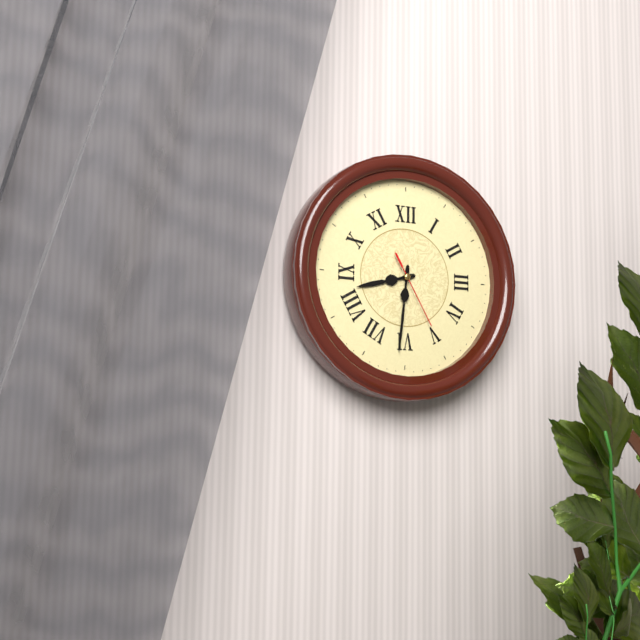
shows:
8,31,25
